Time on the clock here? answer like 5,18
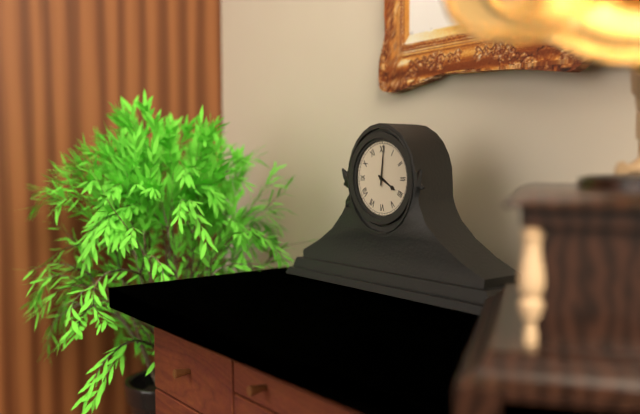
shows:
4,01
